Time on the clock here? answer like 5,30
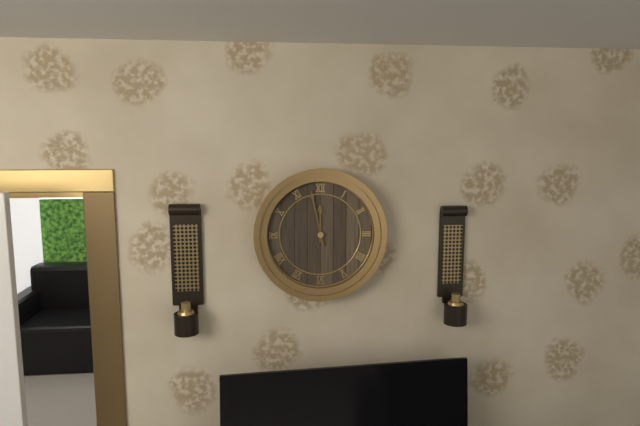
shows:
11,58
